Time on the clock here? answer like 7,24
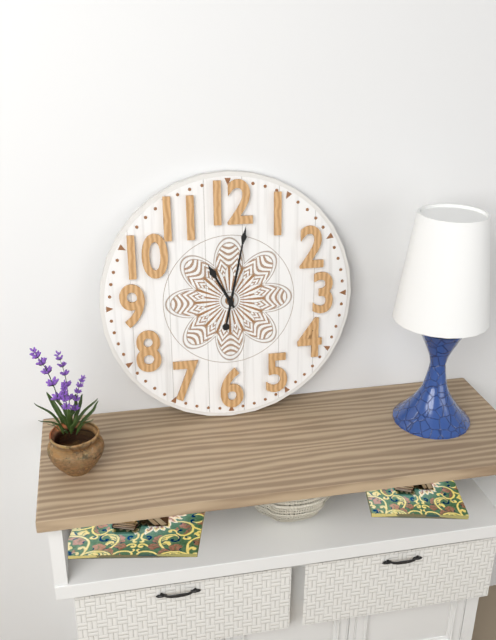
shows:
11,02
